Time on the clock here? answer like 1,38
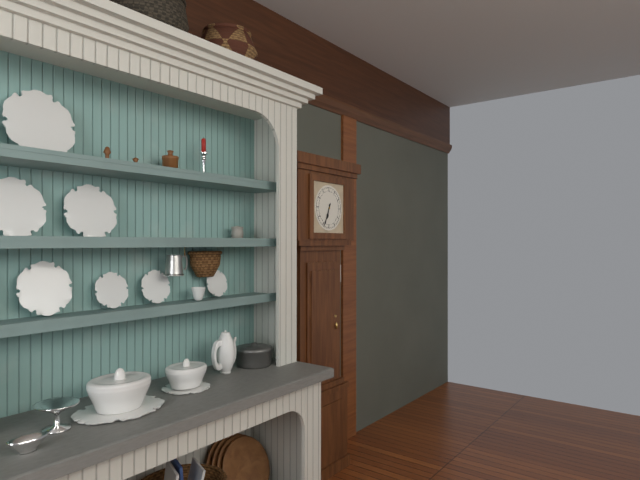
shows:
6,34
